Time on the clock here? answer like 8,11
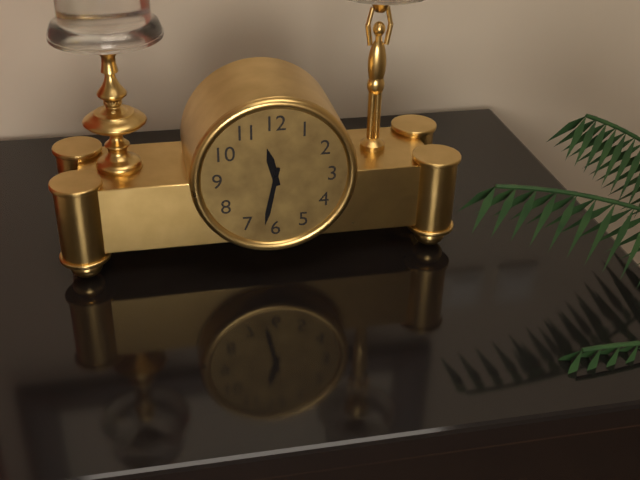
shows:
11,32
